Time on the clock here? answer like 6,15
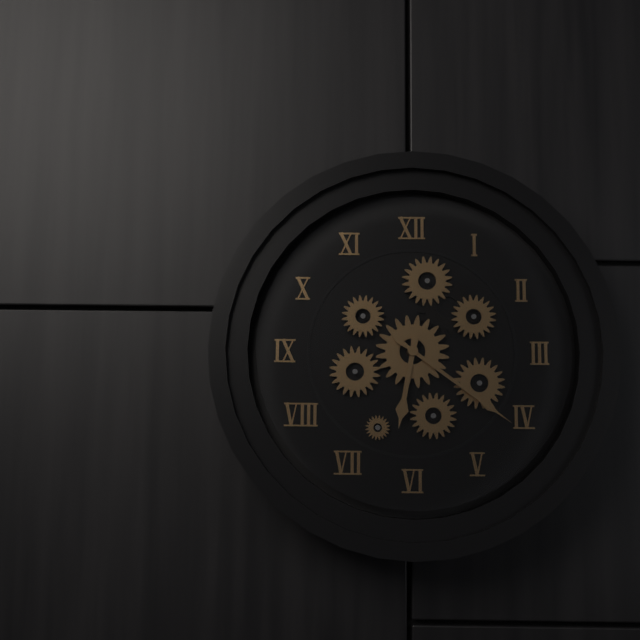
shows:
6,21
